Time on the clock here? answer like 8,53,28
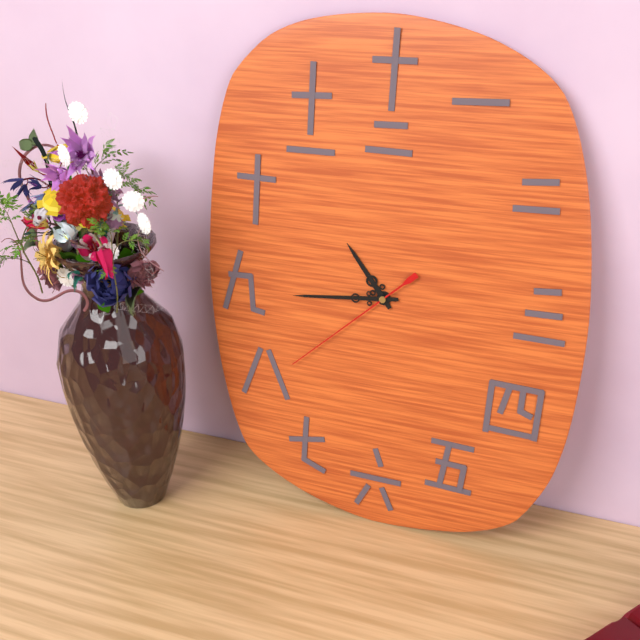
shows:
10,44,38
